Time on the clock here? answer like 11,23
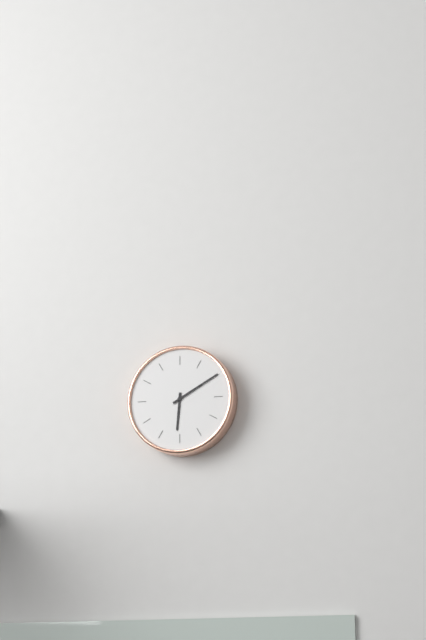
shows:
6,10
